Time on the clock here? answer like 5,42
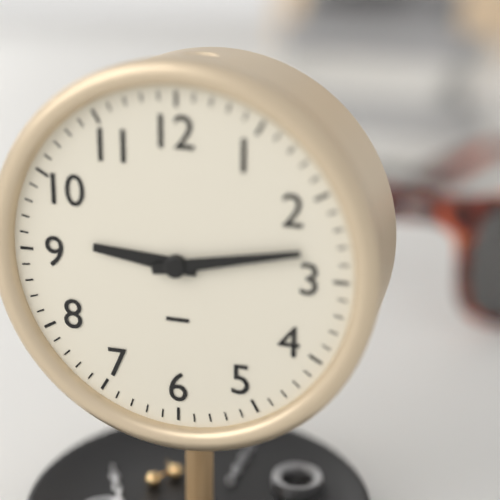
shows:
9,13
